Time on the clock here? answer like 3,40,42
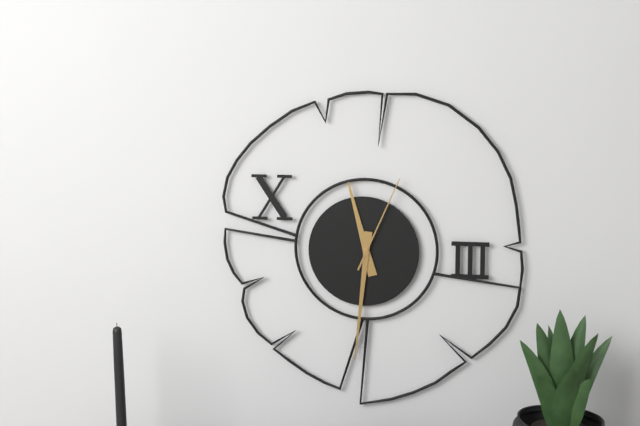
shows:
11,31,04
